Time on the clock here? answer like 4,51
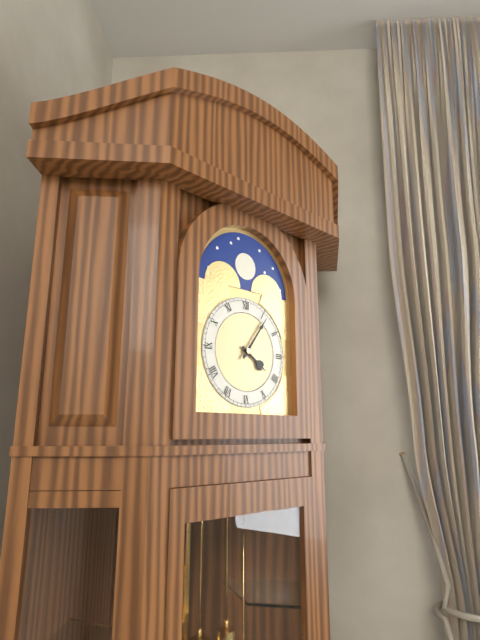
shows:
4,06
